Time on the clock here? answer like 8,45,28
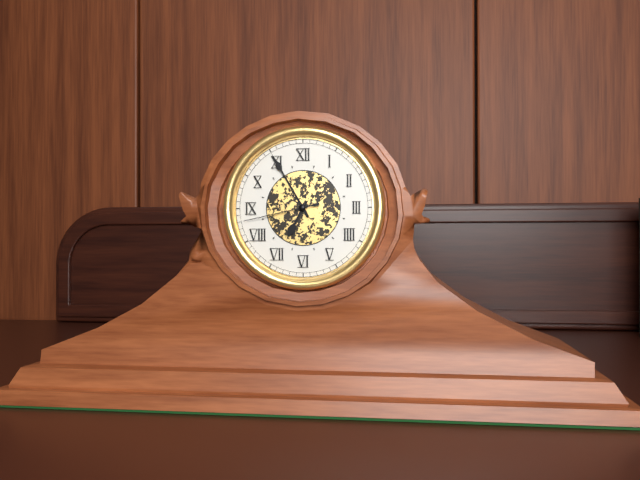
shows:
6,55,43
